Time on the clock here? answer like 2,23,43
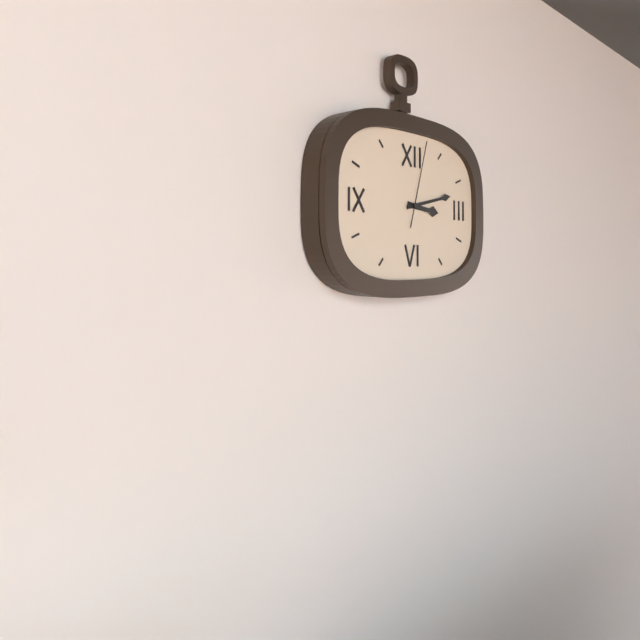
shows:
3,13,03
